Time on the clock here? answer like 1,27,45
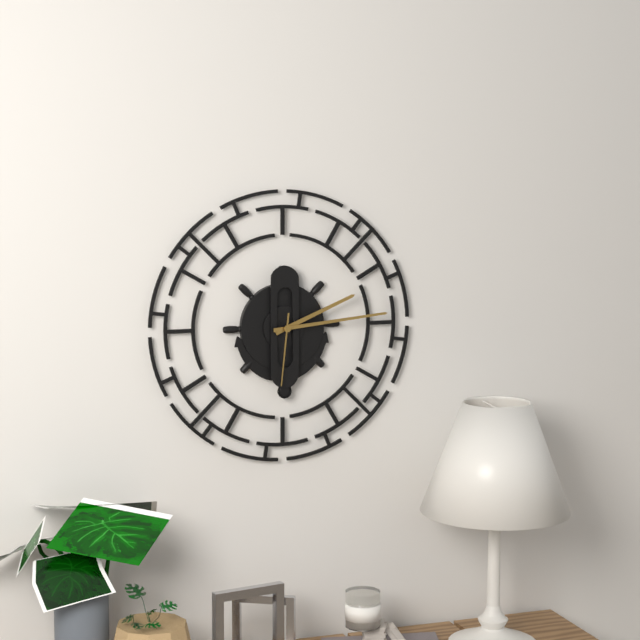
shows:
2,14,31
